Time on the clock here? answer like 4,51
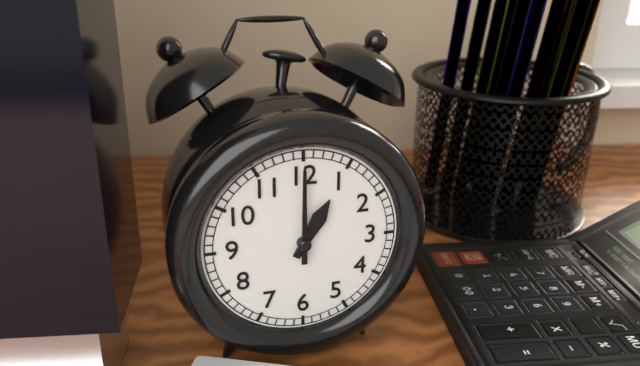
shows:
1,00
